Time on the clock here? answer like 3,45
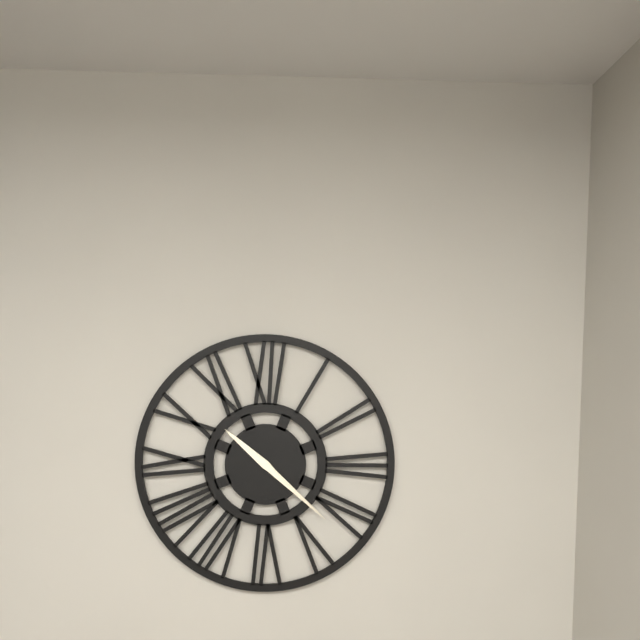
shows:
10,22
